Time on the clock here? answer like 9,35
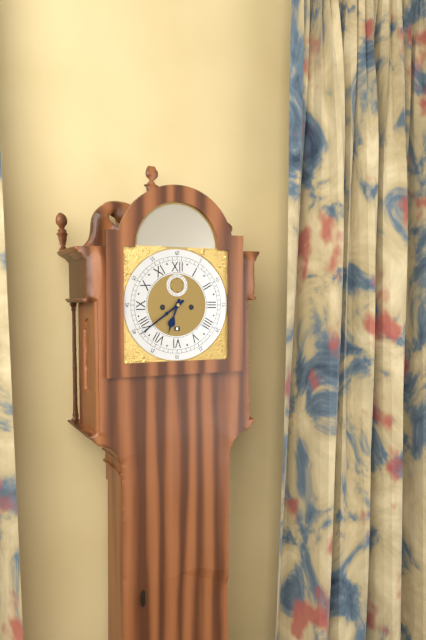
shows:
6,39
